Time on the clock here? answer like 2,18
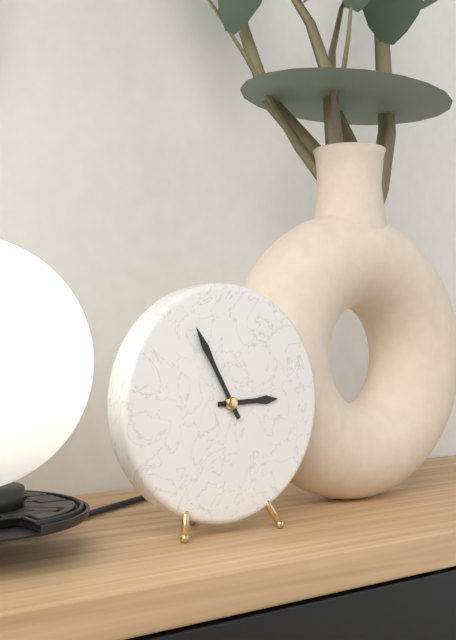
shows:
2,55
